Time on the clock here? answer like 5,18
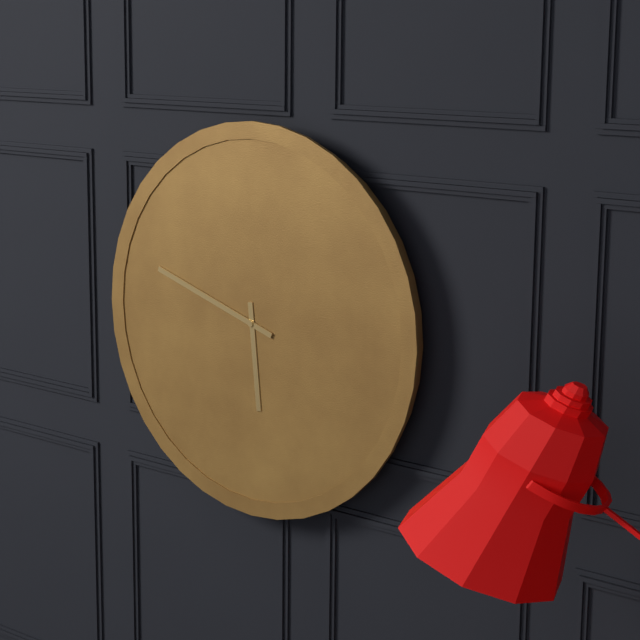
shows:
5,48
